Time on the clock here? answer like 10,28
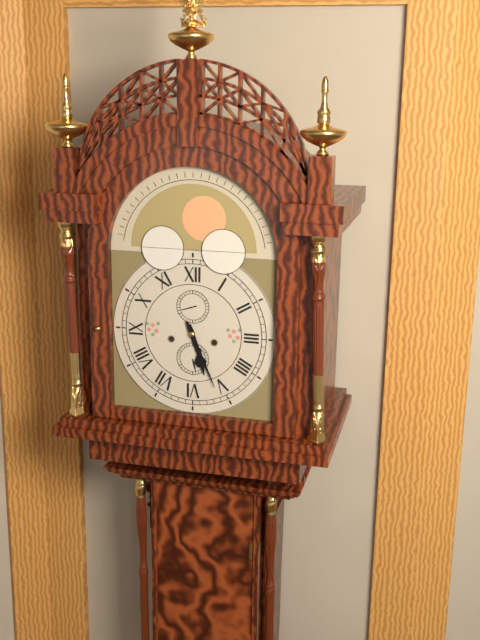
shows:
5,26
